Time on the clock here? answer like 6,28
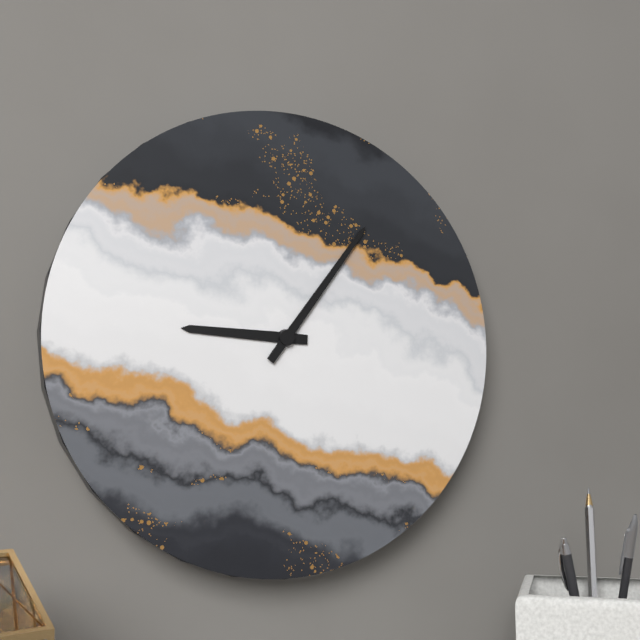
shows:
9,06
